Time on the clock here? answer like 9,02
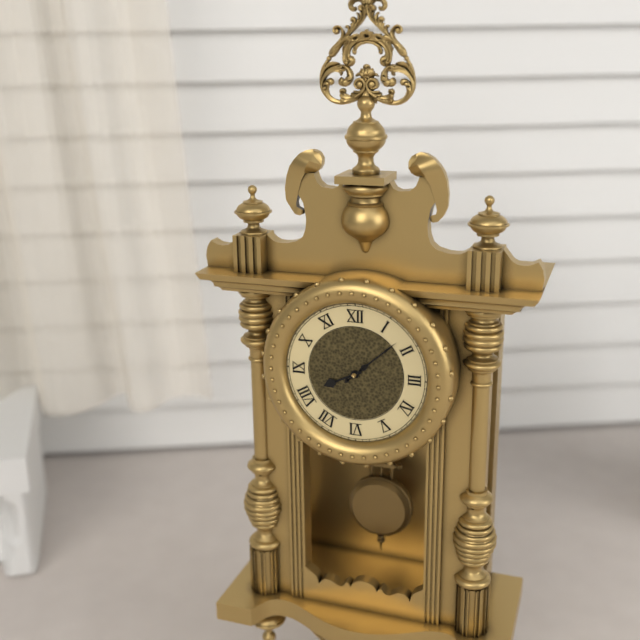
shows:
8,08
